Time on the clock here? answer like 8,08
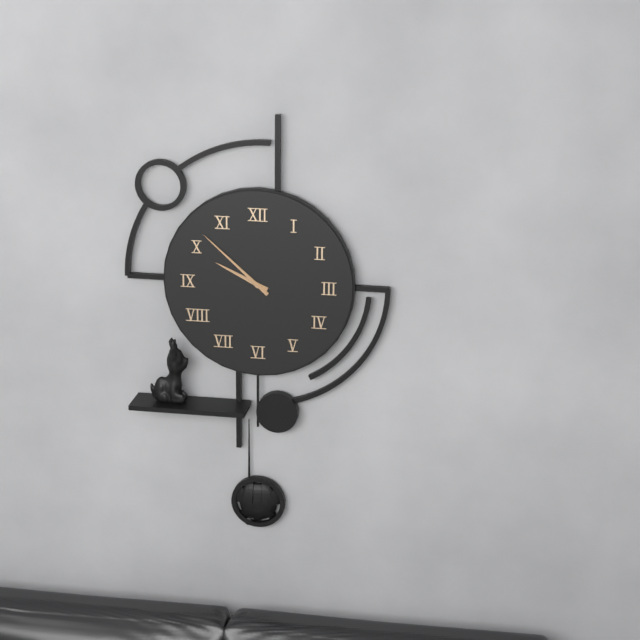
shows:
9,52
